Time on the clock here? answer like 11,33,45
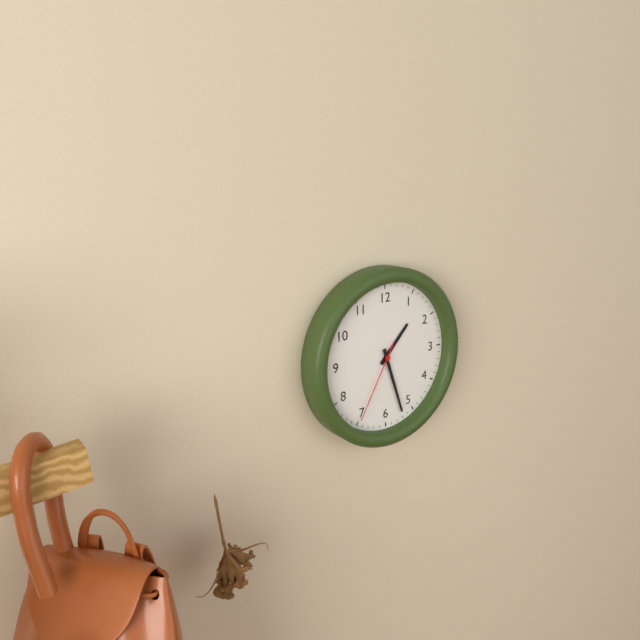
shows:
1,27,35
